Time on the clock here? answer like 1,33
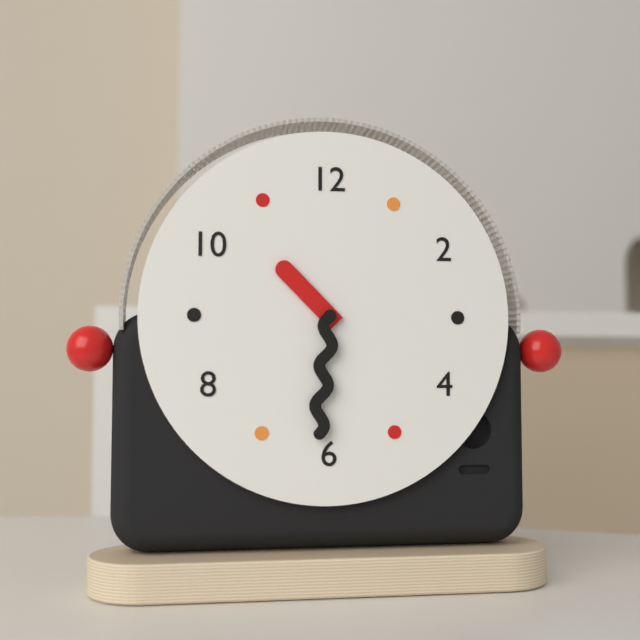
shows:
10,31
